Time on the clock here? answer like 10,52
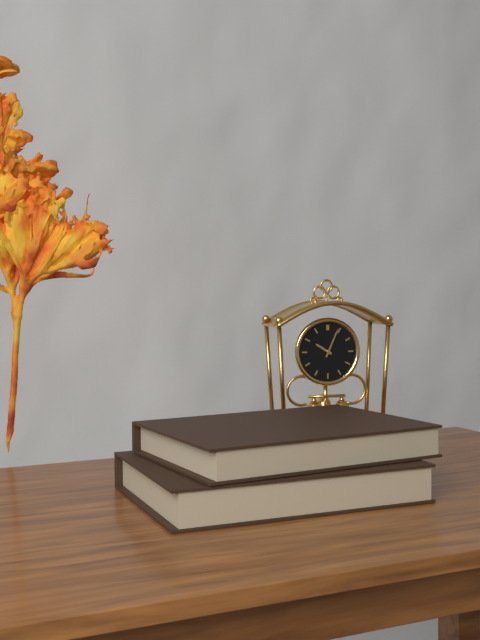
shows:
10,04
